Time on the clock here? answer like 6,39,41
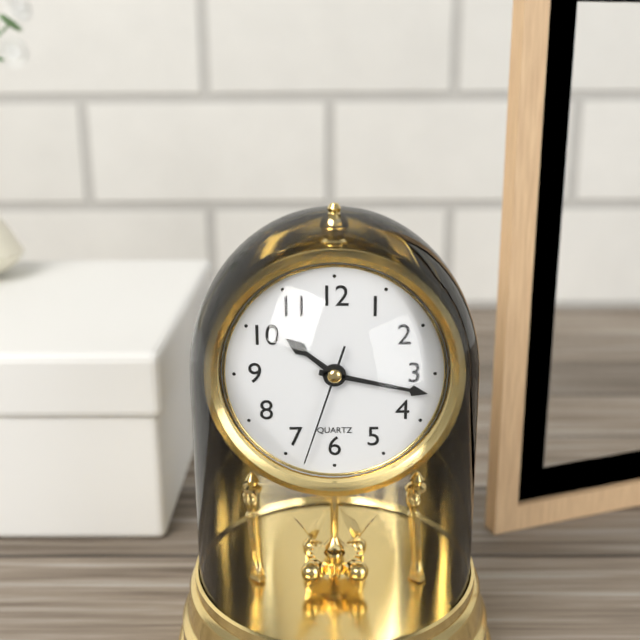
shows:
10,17,33
